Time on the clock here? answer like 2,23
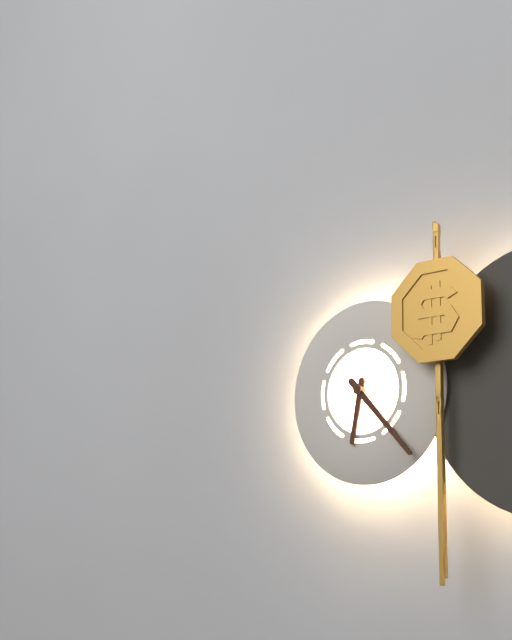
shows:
6,23
